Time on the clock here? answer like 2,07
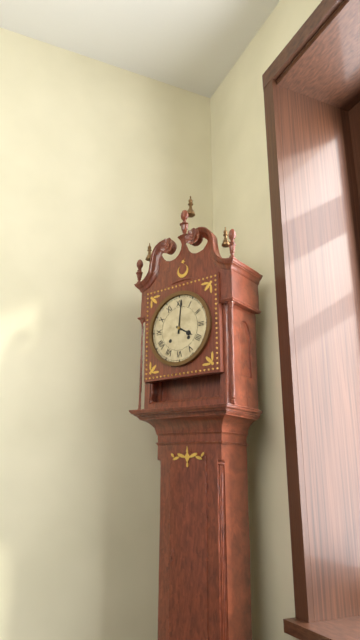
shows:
4,01
